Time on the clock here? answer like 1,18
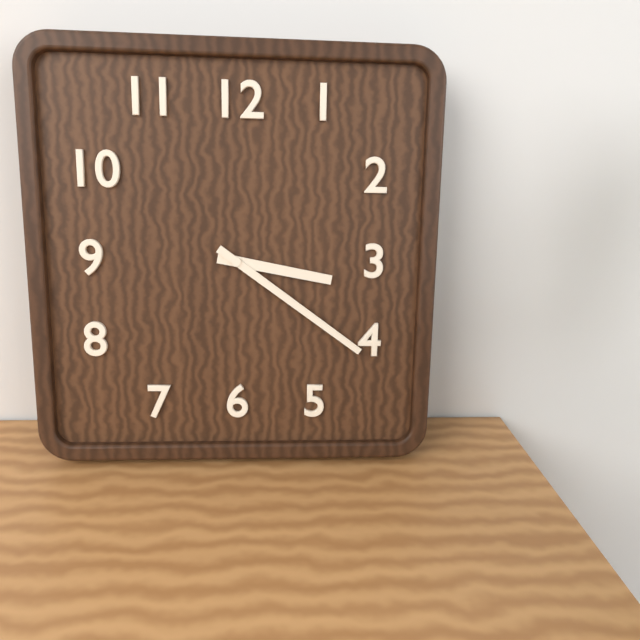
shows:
3,21
